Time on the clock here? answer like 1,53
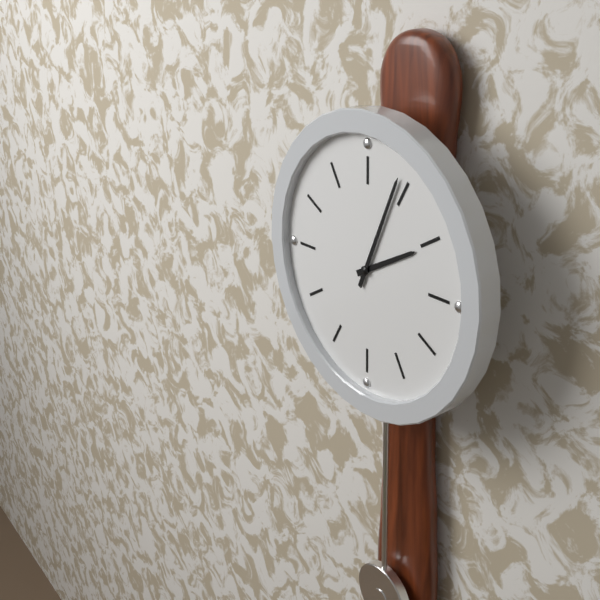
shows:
2,04
